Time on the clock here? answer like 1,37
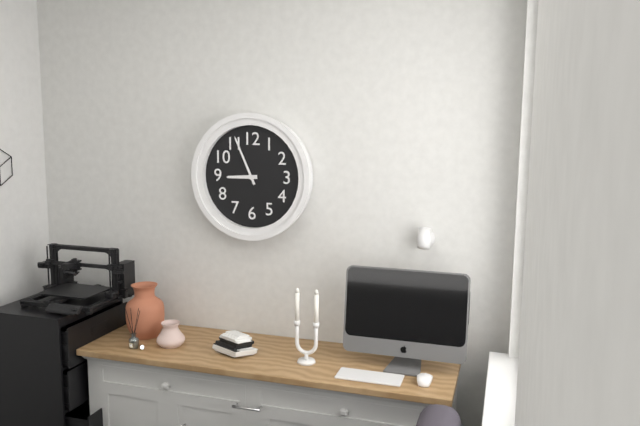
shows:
8,56
